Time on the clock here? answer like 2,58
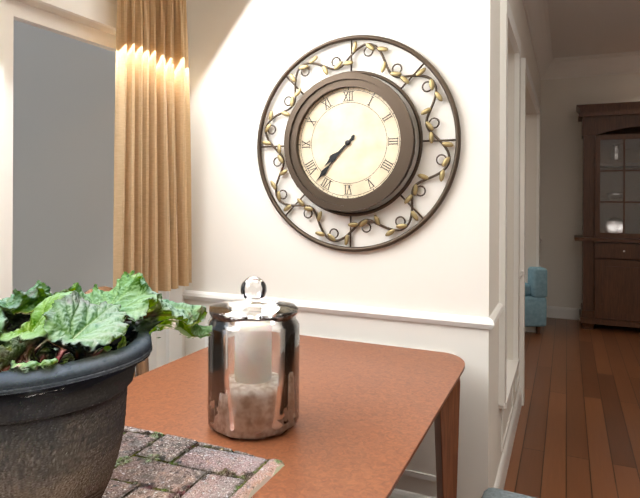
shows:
7,37
